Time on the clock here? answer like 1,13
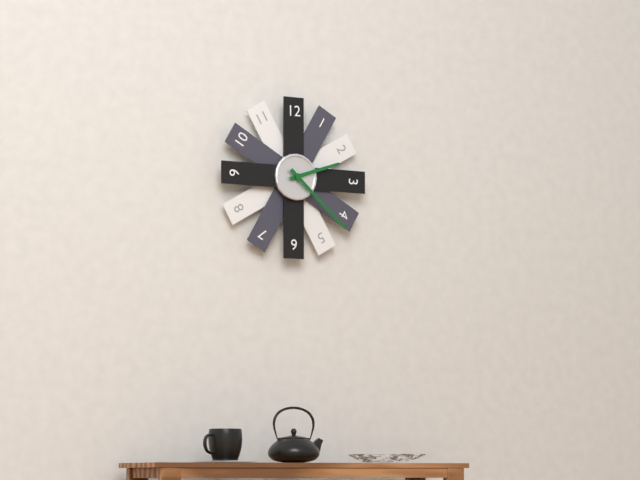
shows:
2,22
